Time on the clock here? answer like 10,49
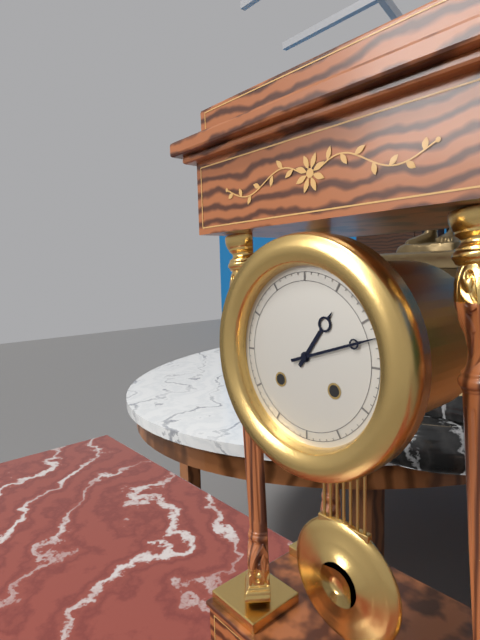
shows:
1,12
